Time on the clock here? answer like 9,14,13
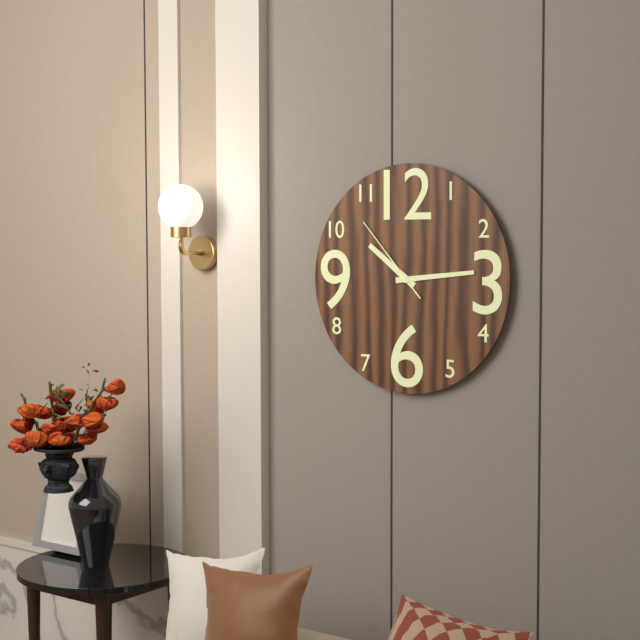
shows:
10,14,53
